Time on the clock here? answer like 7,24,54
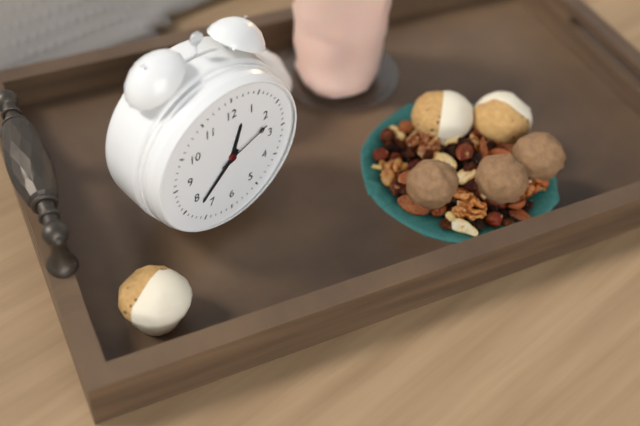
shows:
12,38,12
